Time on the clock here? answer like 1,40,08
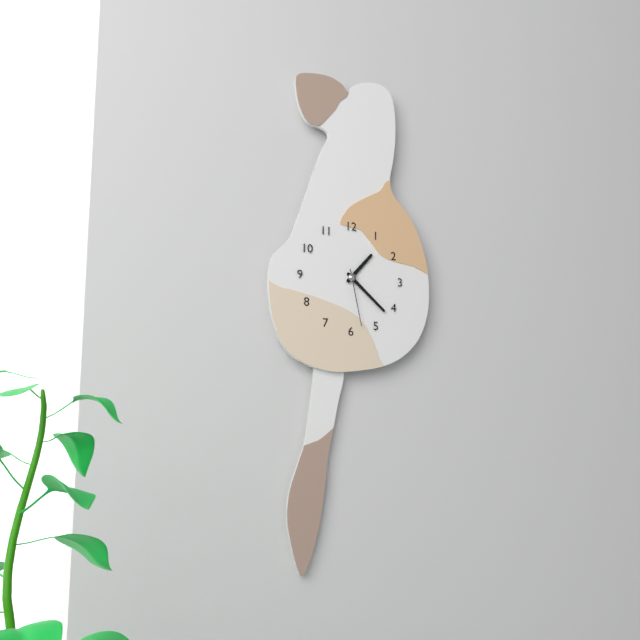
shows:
1,22,28
